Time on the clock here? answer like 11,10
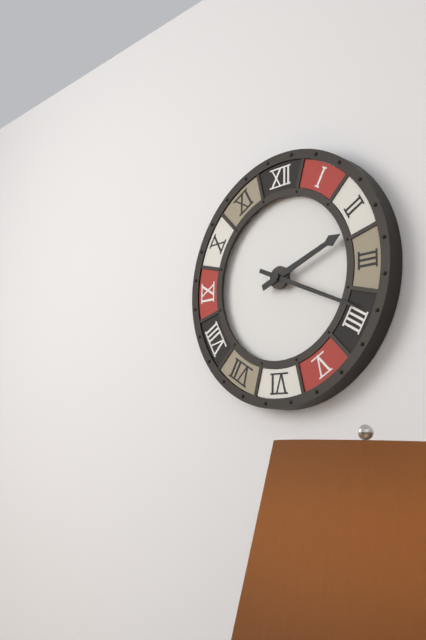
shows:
2,19
